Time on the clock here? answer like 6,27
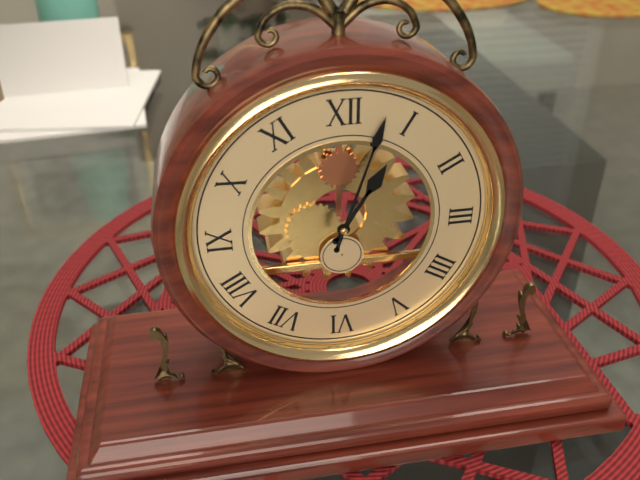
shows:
1,03
